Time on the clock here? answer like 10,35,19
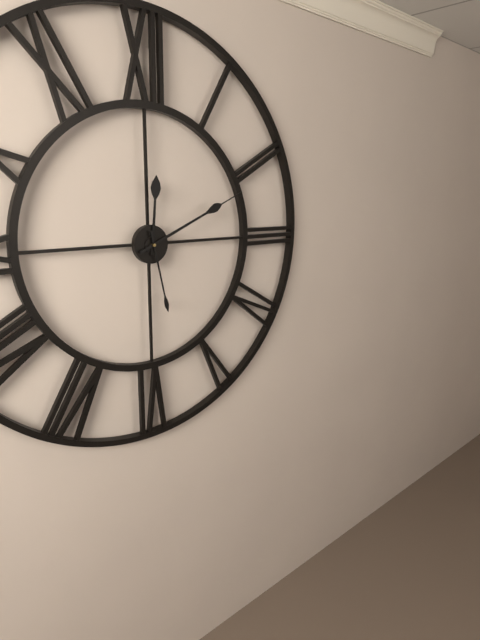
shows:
12,11,28
